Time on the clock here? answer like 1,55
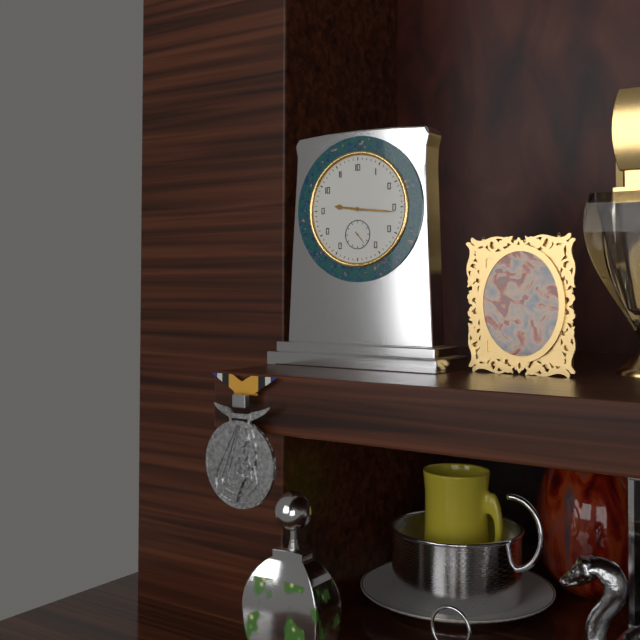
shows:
9,16
